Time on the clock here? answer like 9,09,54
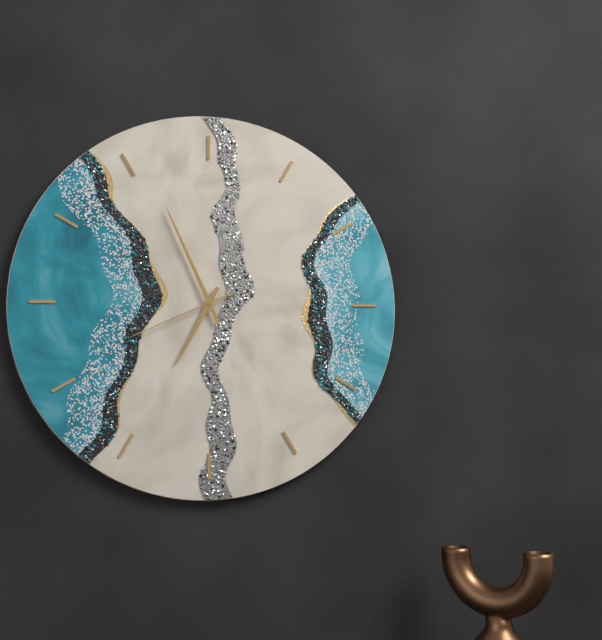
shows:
6,56,41
